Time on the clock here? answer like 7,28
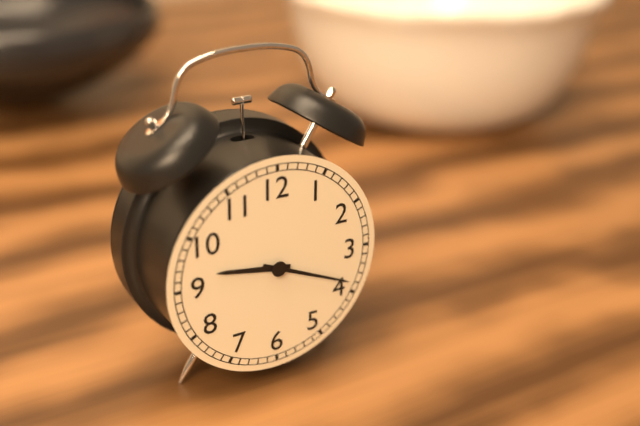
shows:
9,19
